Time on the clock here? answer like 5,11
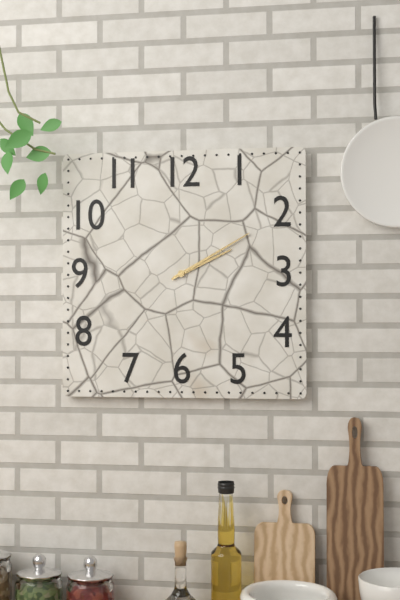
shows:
2,10
